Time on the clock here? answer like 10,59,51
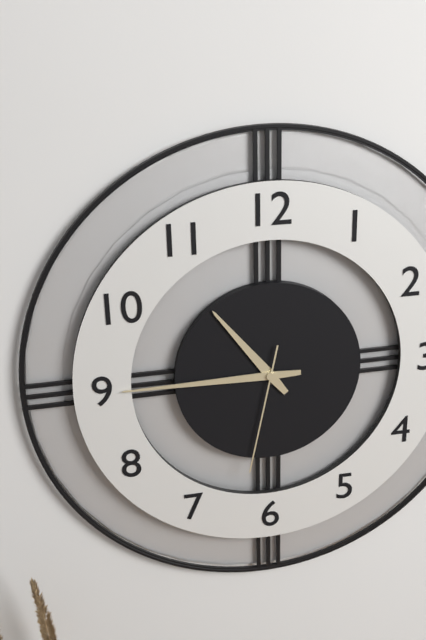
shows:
10,45,32
